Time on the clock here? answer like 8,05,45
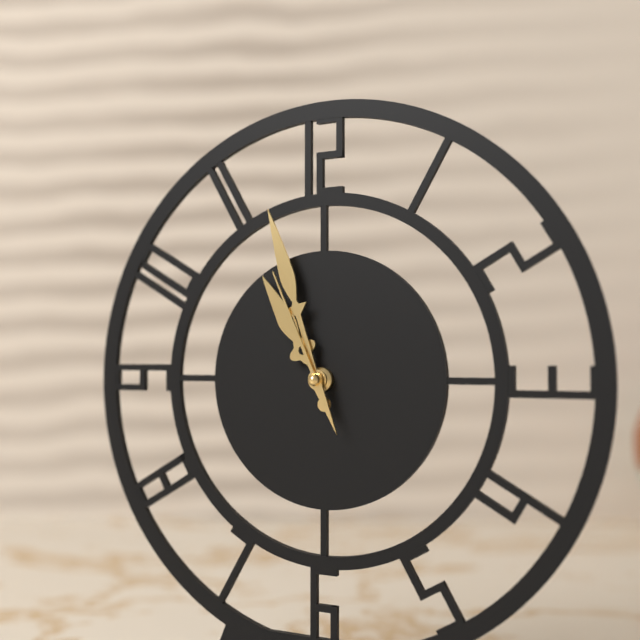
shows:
10,57,56
